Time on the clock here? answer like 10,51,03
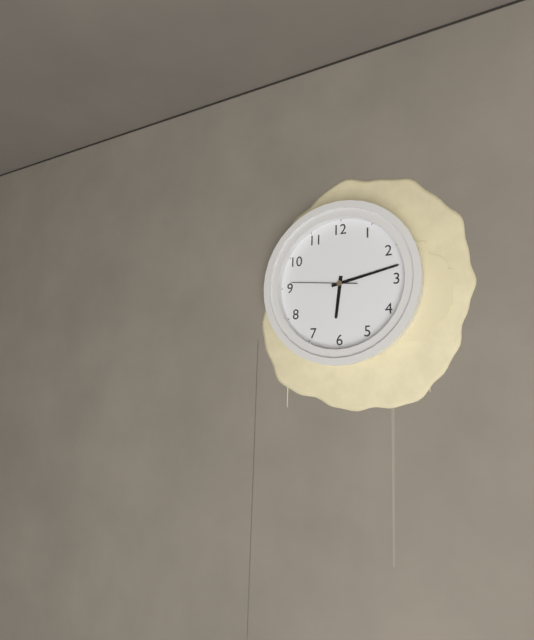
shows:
6,13,46
